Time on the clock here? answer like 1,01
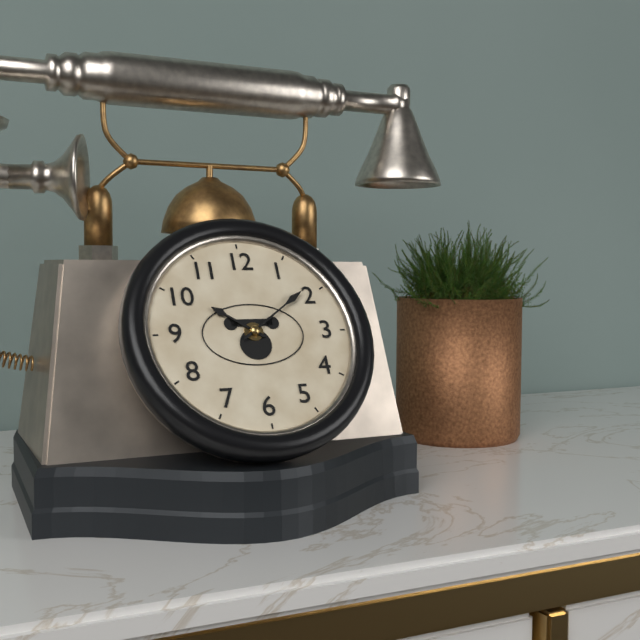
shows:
10,09
